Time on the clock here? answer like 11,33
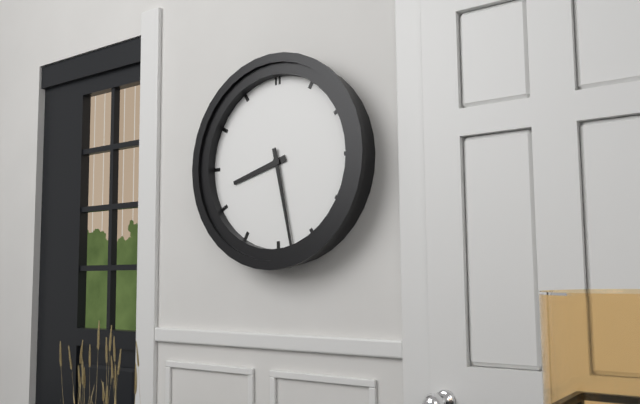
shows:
8,28
